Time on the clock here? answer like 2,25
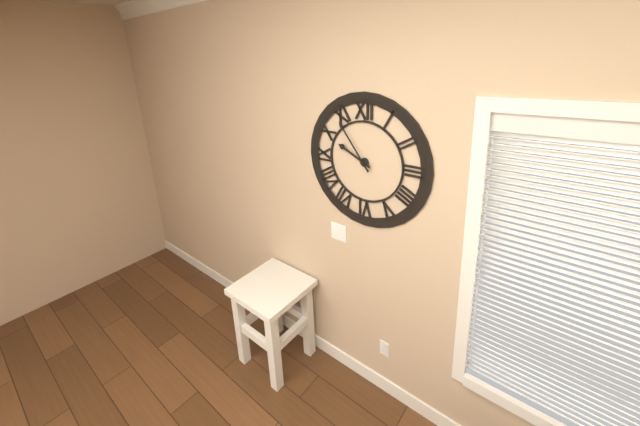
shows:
9,54
